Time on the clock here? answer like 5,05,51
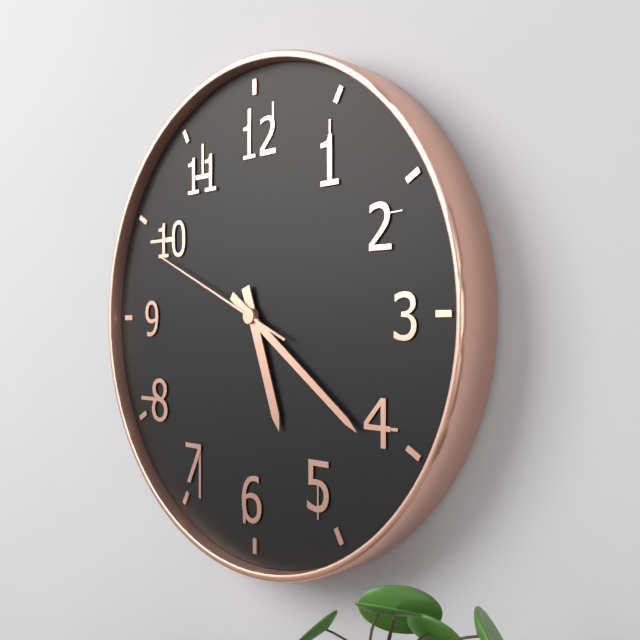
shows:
5,21,49
